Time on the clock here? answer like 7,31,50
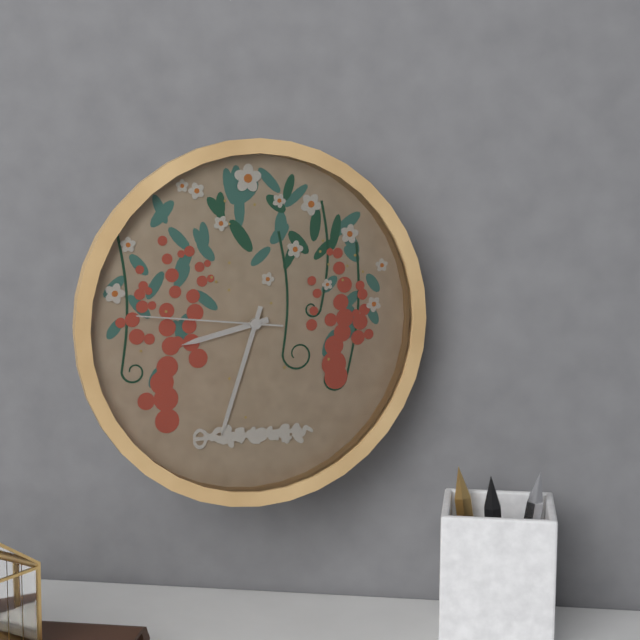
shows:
8,33,46
